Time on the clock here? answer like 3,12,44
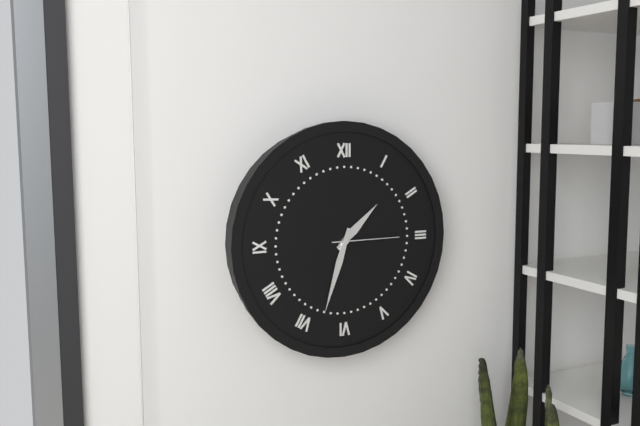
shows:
1,33,15
